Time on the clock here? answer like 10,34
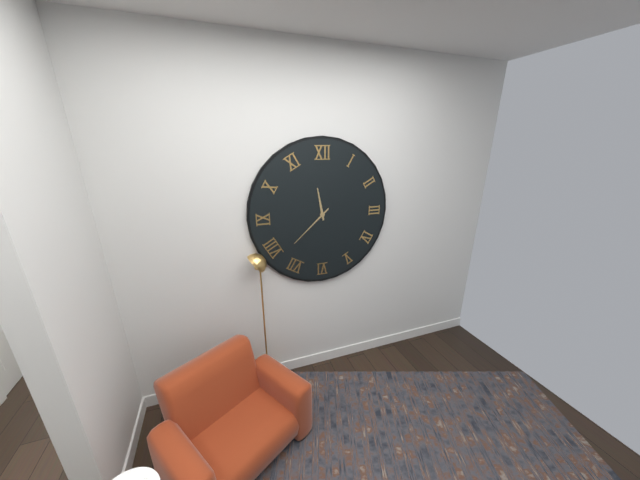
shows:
11,38
